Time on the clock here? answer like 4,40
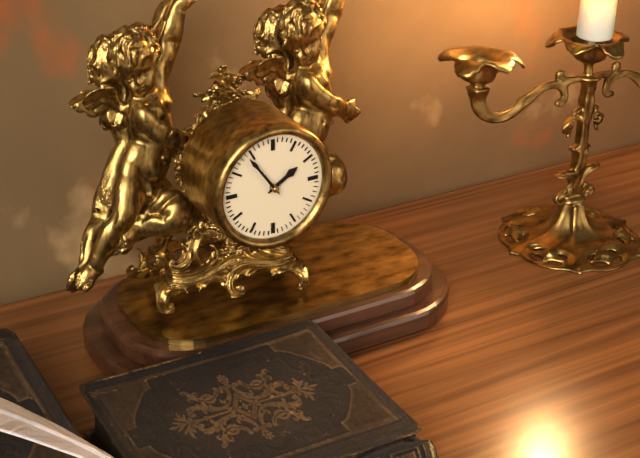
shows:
1,54
